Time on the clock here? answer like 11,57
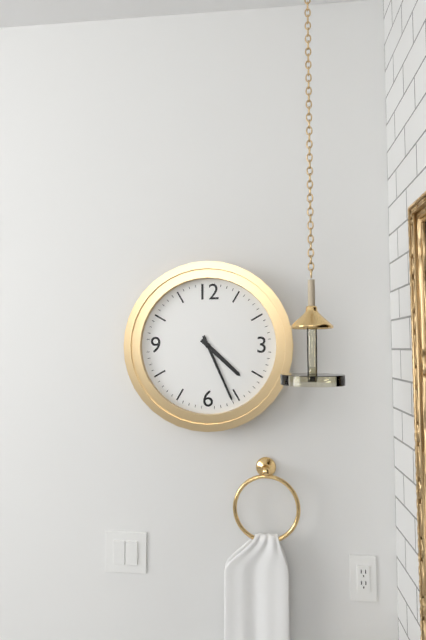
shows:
4,26
